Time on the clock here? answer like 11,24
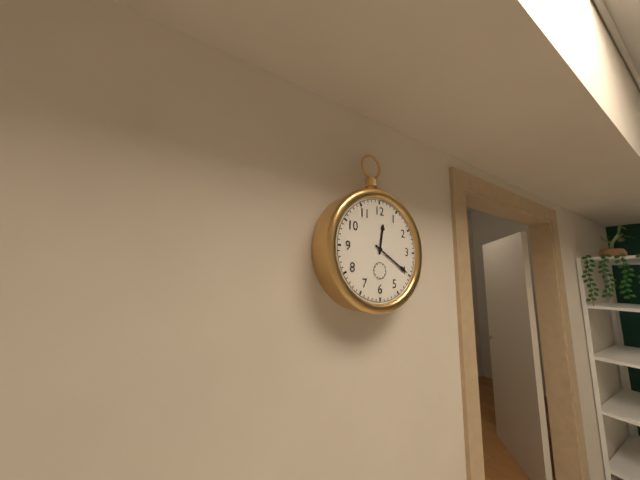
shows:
12,20
